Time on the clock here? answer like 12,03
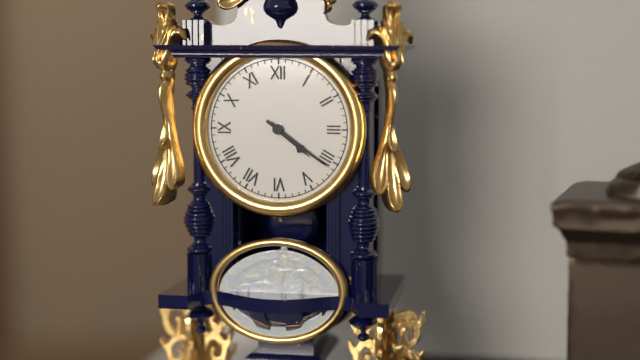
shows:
4,21
